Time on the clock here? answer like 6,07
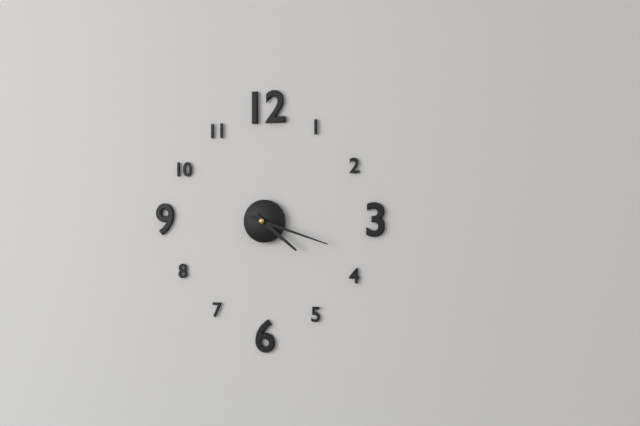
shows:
4,18
